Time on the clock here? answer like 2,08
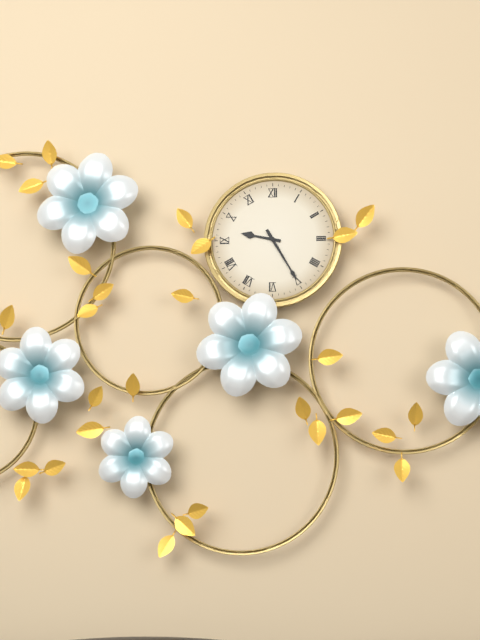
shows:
9,25
